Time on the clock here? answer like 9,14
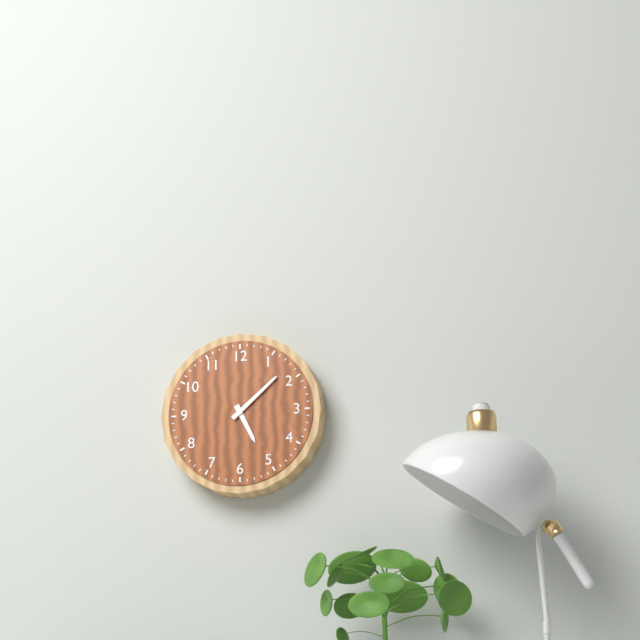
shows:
5,08
